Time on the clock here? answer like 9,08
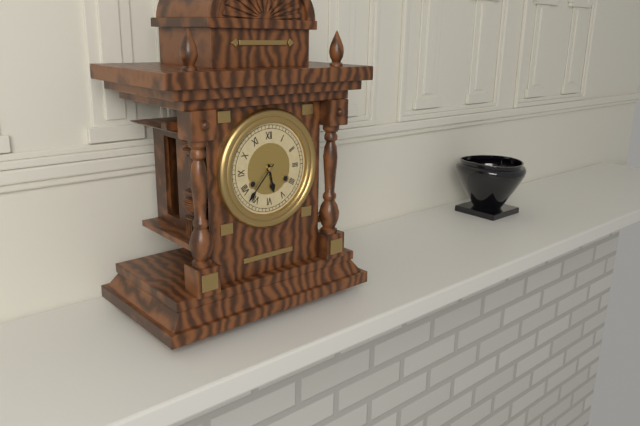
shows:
5,37
